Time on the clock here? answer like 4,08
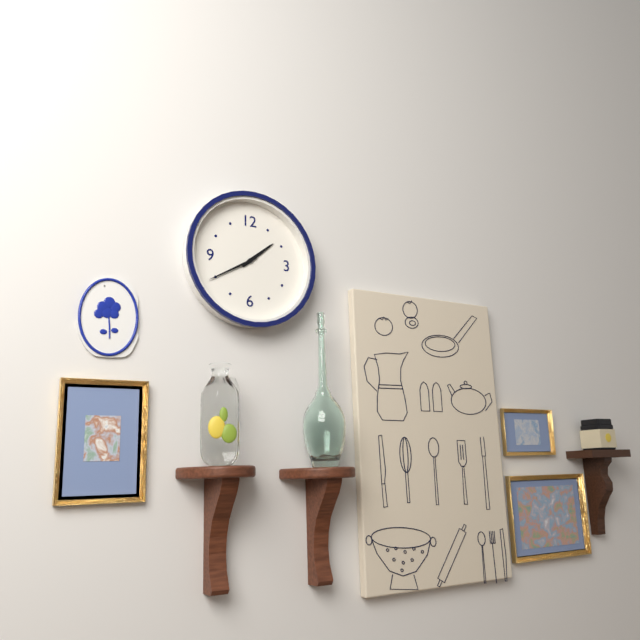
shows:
1,40
